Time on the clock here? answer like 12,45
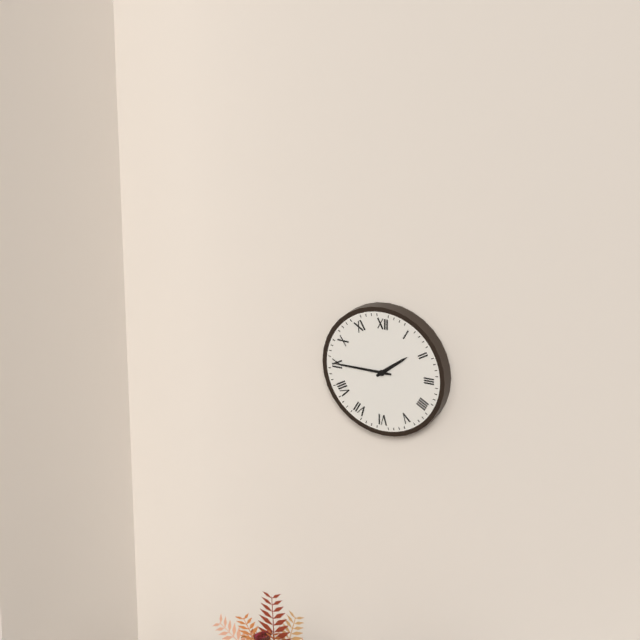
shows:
1,45
